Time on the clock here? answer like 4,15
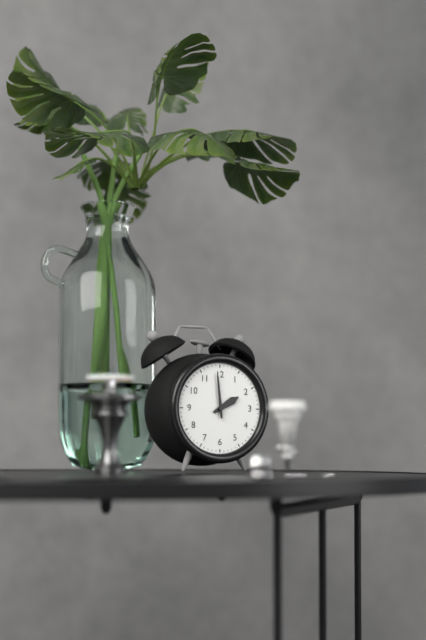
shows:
1,59
